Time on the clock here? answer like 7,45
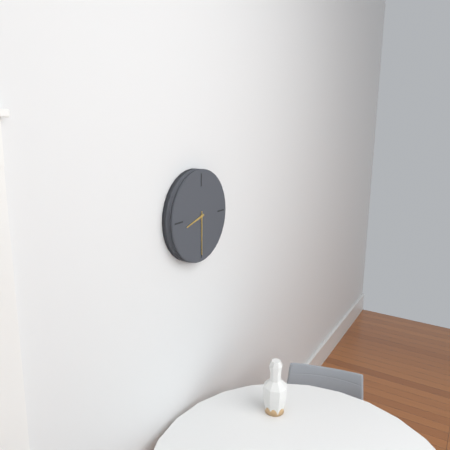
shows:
8,30
